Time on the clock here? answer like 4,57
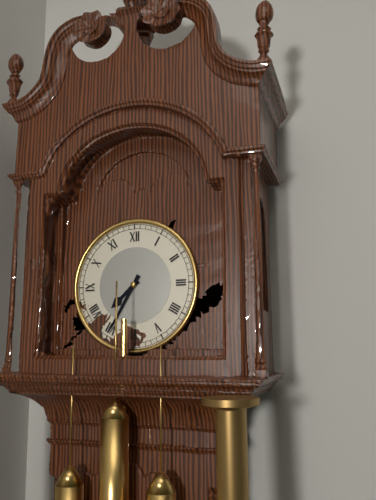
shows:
7,35
